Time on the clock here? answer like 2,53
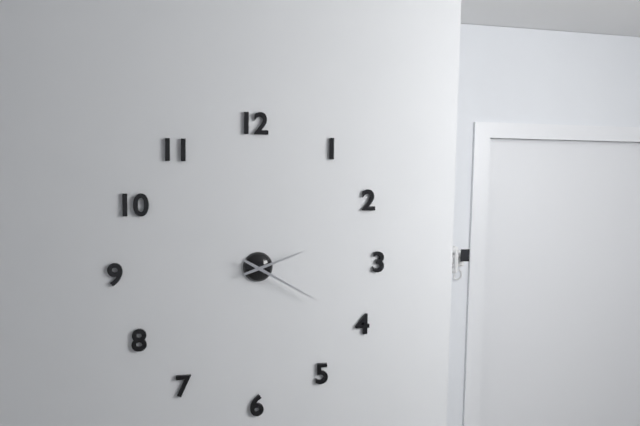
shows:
2,20
